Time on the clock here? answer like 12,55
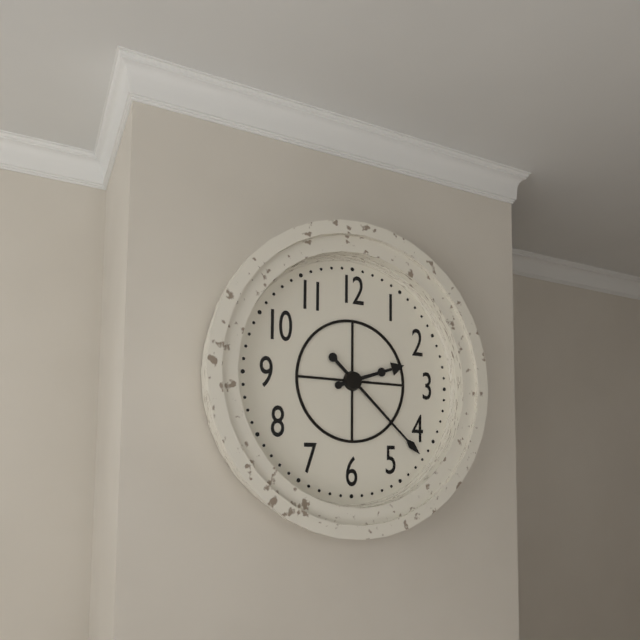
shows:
2,22
